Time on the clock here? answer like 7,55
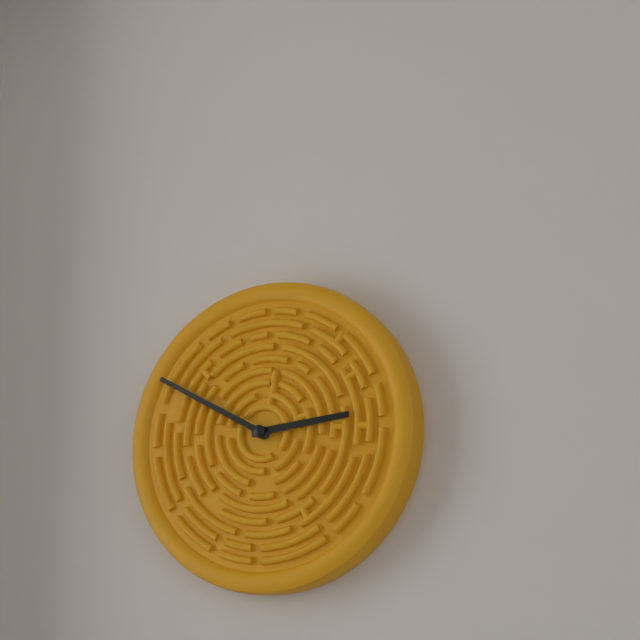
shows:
2,50
